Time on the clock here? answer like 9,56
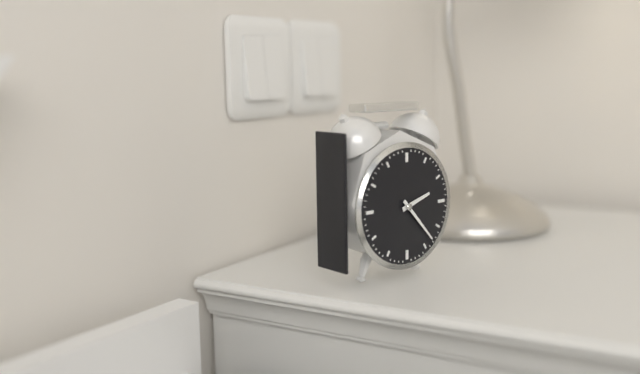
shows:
2,23
